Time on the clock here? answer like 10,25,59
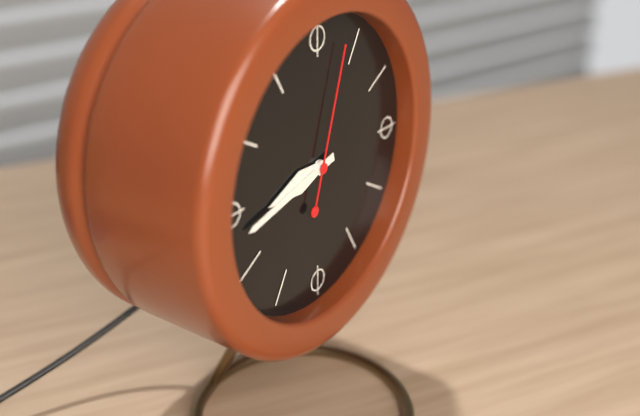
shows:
8,43,03
